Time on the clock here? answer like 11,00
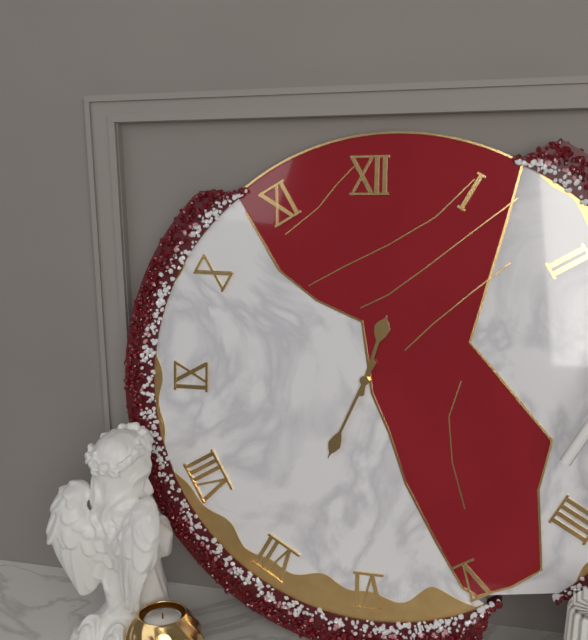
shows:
12,34
